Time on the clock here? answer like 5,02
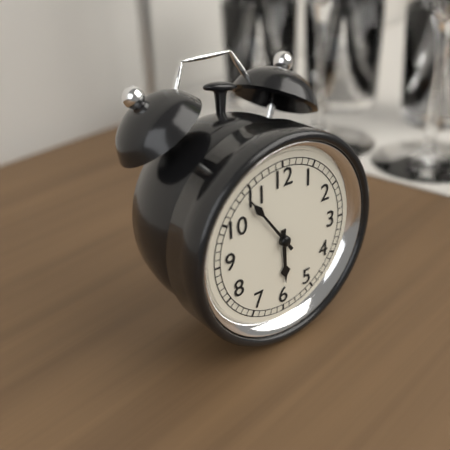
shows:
5,54
